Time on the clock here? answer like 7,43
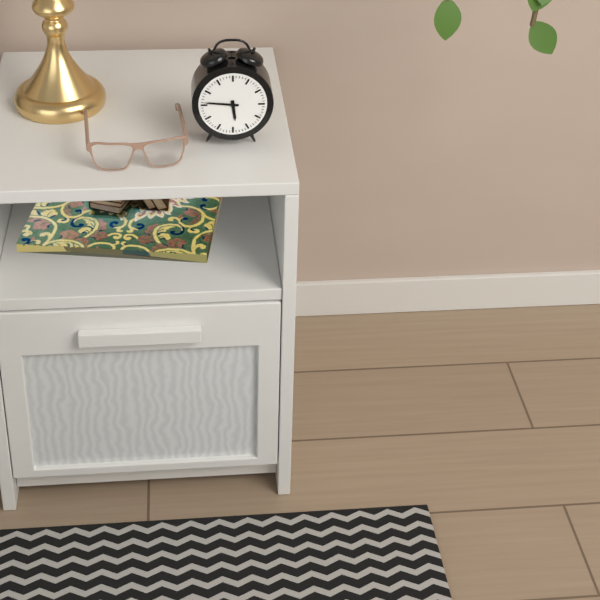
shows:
5,46
